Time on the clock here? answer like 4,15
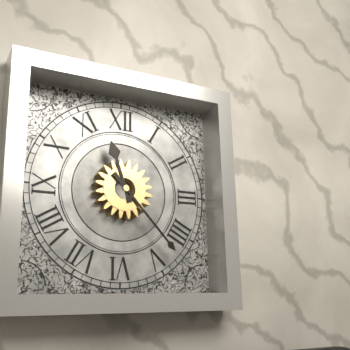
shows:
11,23
